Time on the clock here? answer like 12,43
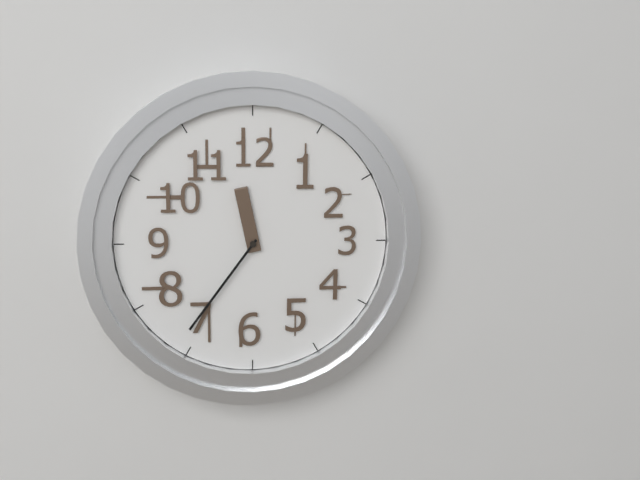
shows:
11,36
